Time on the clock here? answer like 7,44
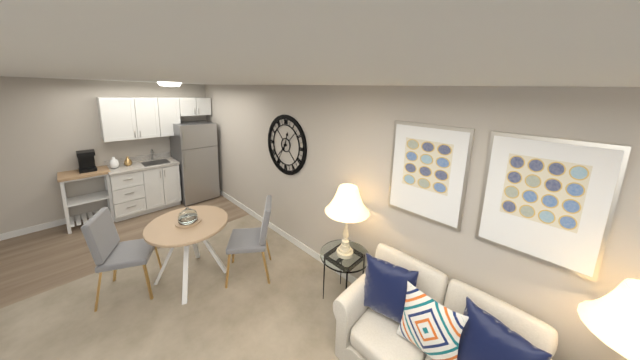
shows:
12,35
